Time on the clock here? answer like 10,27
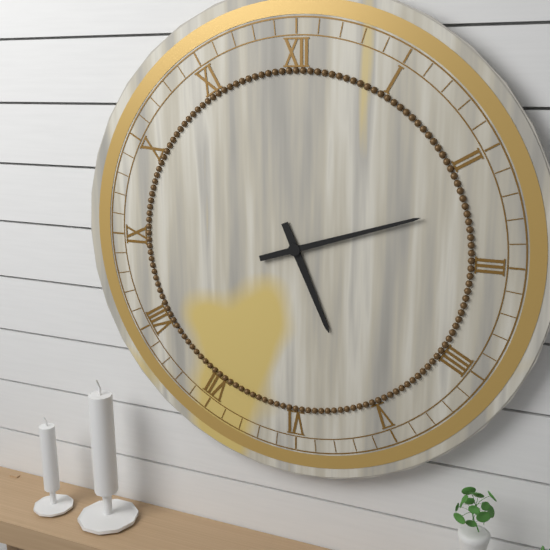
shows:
5,12
